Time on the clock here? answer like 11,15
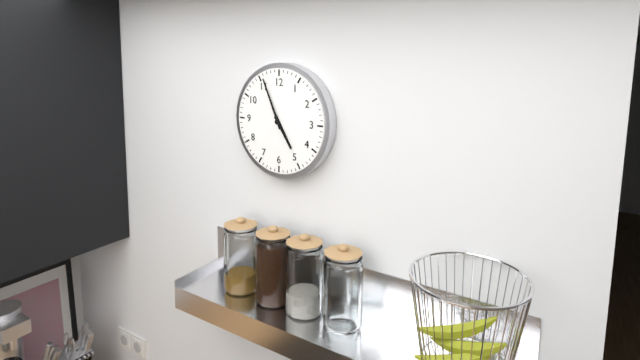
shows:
4,56
